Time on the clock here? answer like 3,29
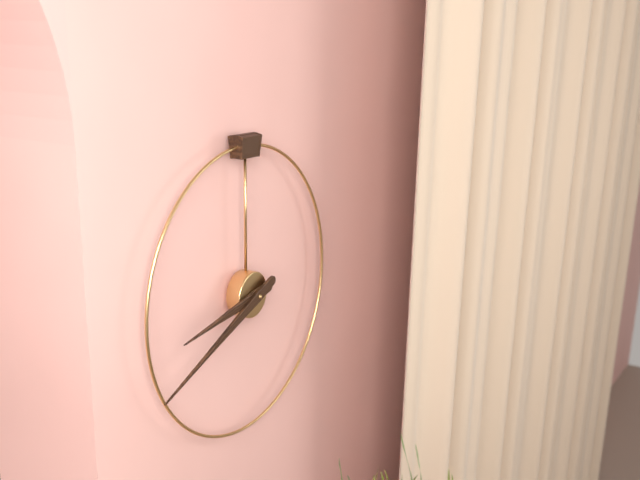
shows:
8,41
